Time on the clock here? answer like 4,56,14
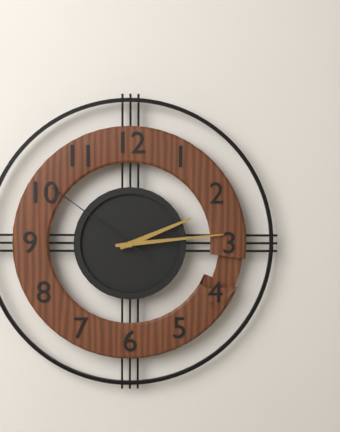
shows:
2,14,51
